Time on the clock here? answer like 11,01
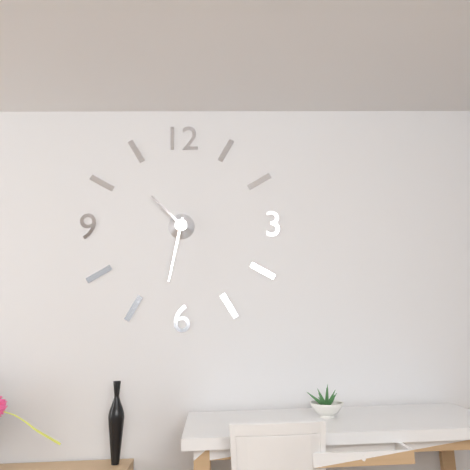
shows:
10,32
